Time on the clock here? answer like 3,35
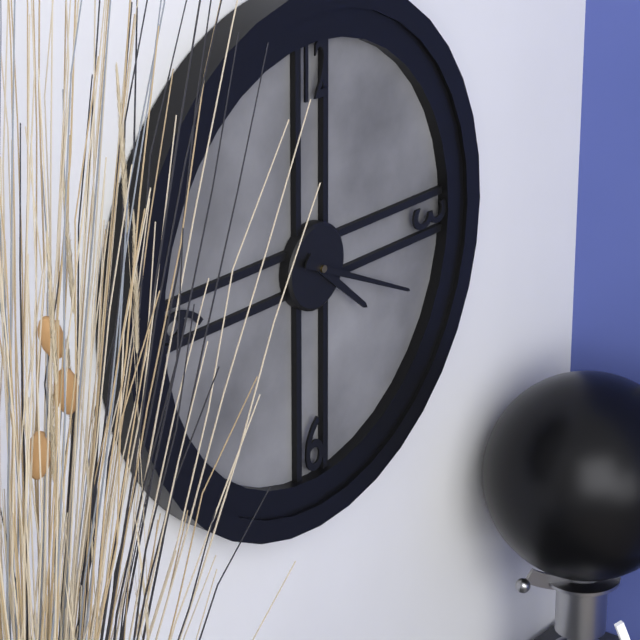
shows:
4,19
